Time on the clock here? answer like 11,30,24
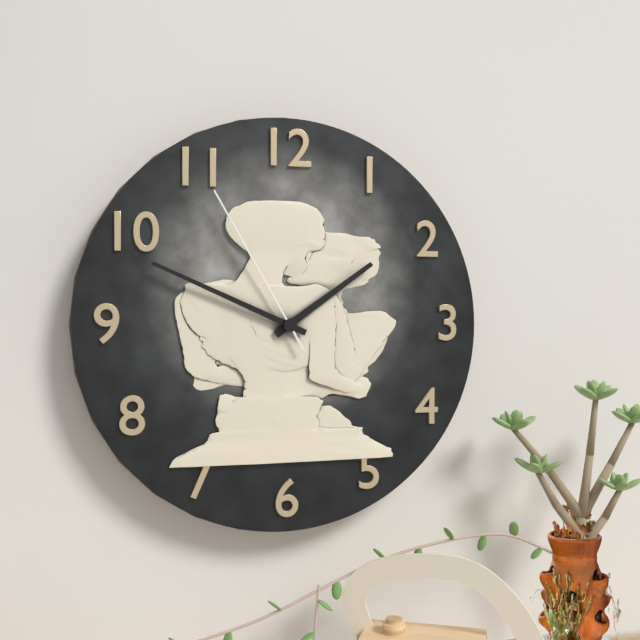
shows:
1,49,55
